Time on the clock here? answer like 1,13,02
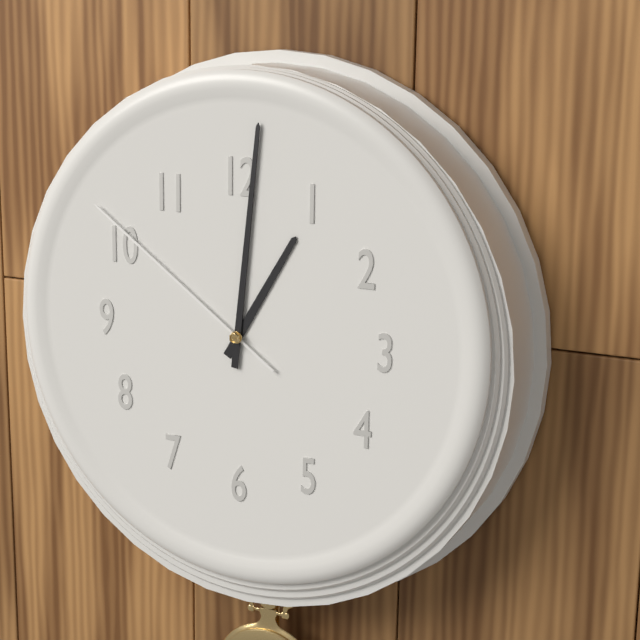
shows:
1,01,51
